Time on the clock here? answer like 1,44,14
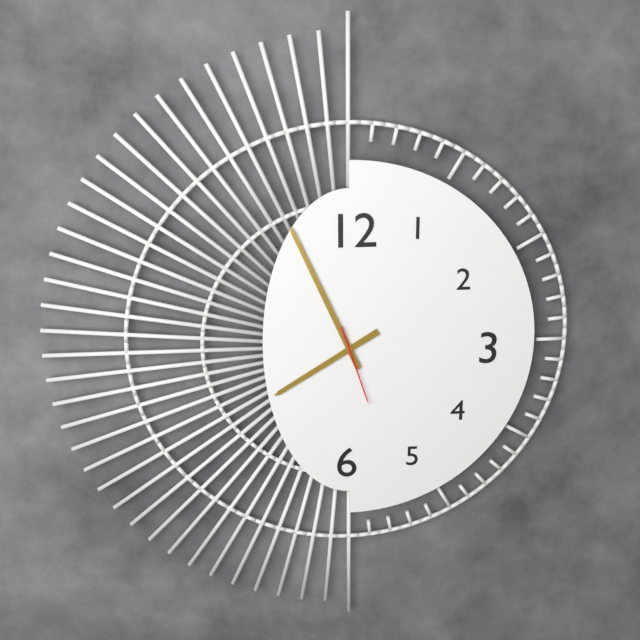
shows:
7,56,27
